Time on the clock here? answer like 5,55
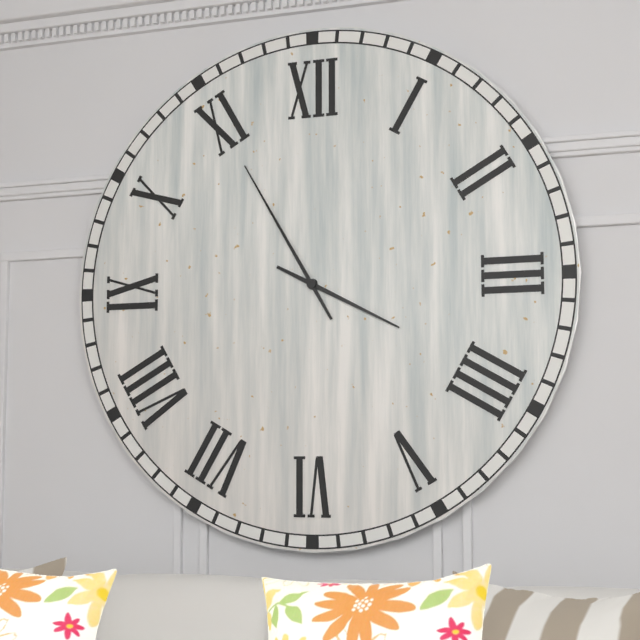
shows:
3,55
